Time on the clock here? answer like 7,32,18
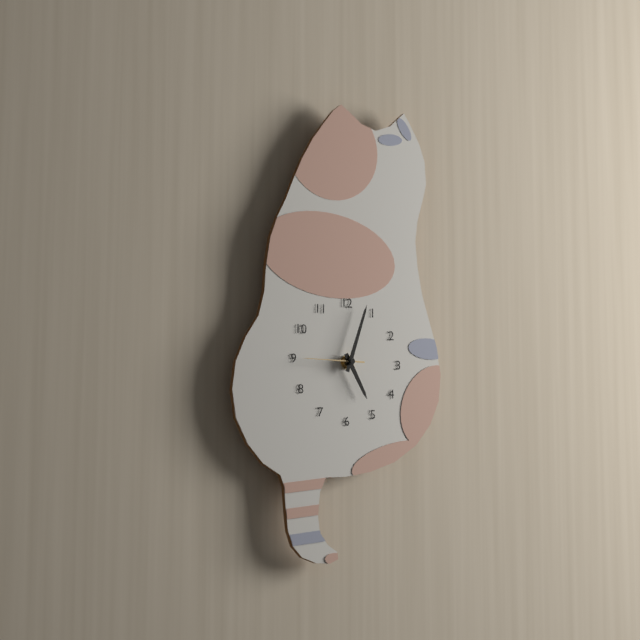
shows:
5,03,45
